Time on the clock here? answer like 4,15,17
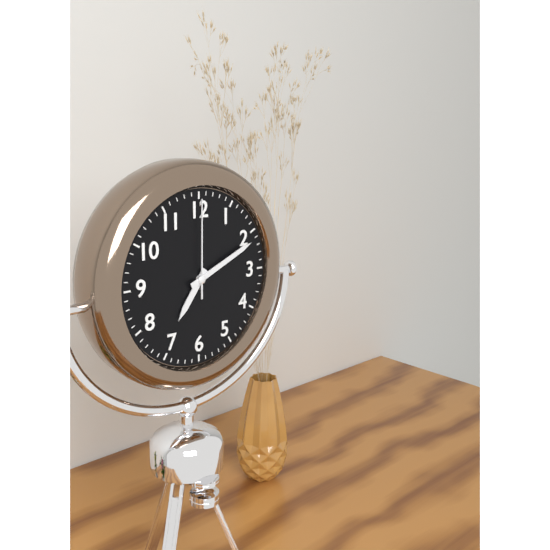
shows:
7,11,00
